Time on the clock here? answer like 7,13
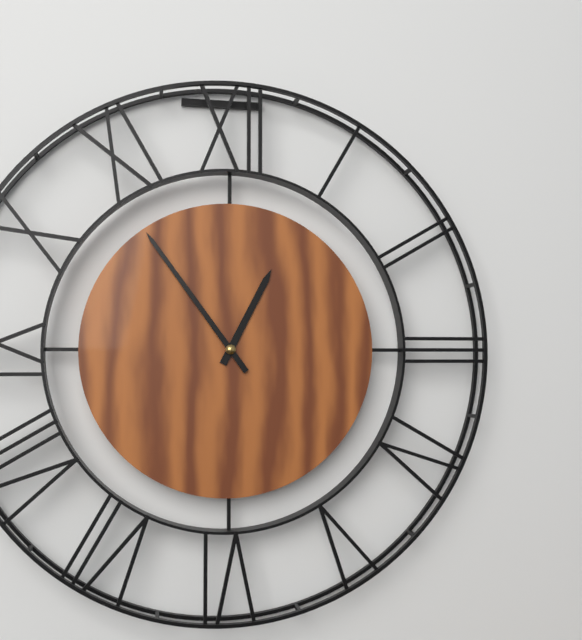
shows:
12,54
